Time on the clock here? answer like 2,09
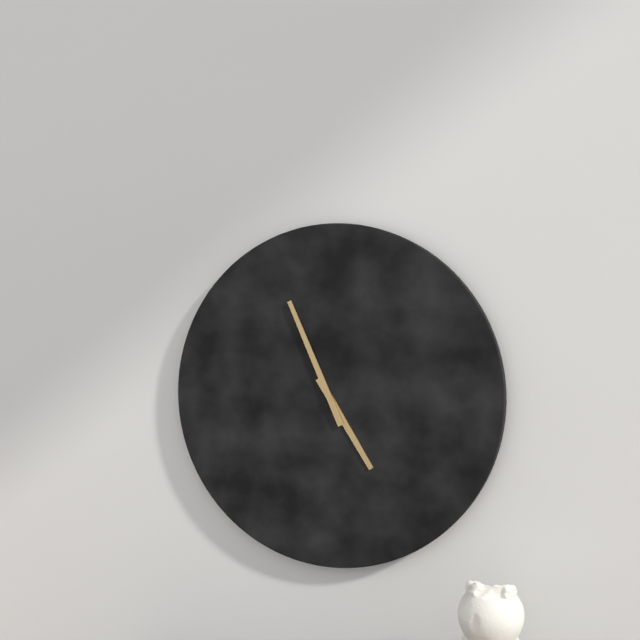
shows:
4,56
